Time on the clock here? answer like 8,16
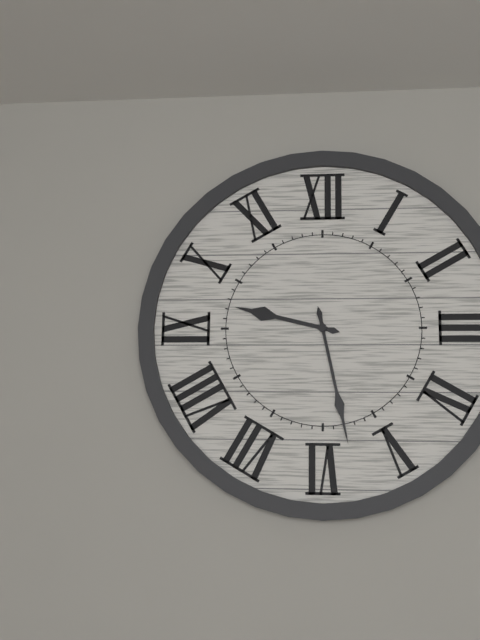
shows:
9,28
